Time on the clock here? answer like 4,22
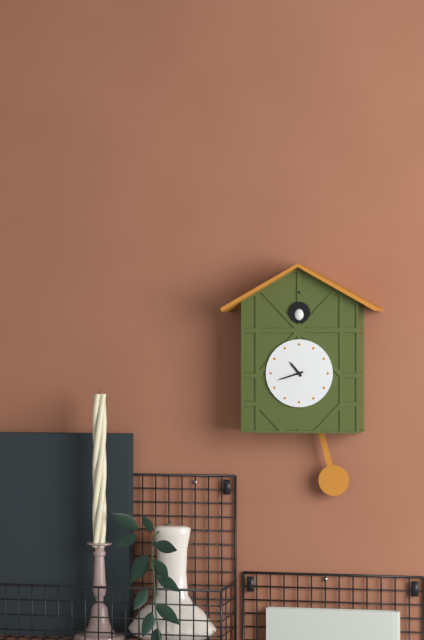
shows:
10,42
